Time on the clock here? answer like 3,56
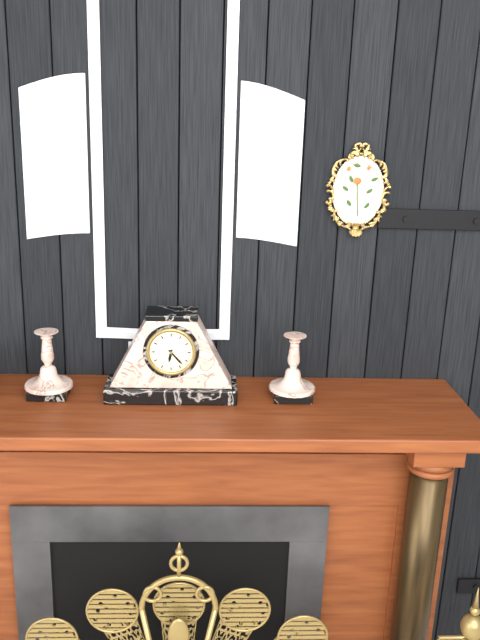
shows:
6,23
